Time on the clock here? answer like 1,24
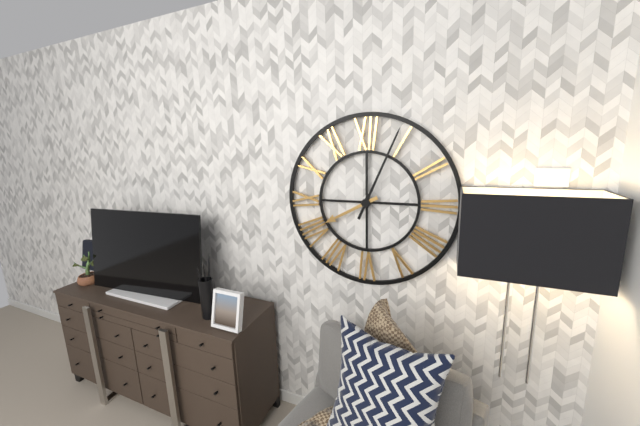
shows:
8,04
